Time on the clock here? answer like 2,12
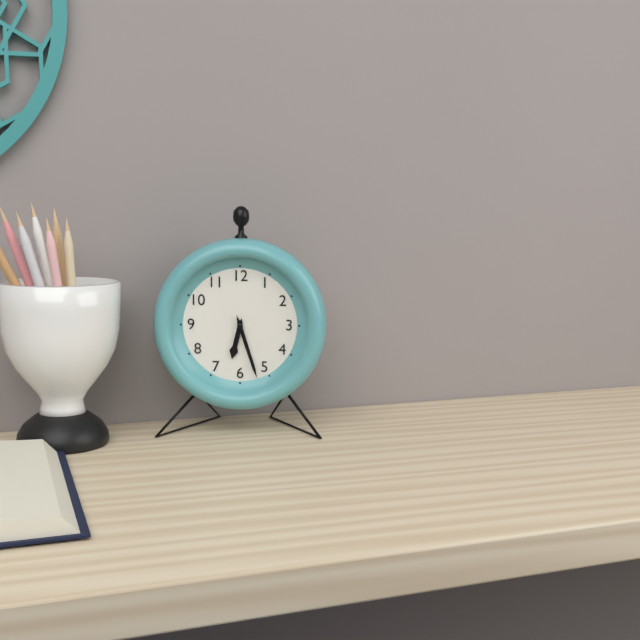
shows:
6,27
